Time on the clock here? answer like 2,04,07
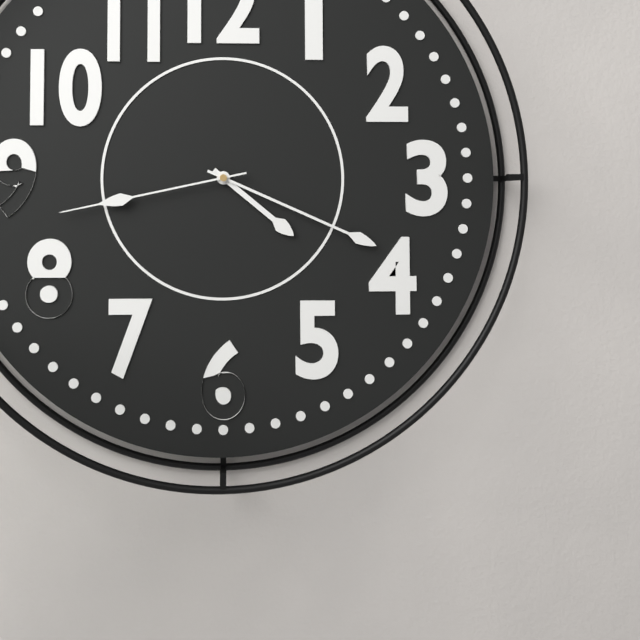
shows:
4,19,43
